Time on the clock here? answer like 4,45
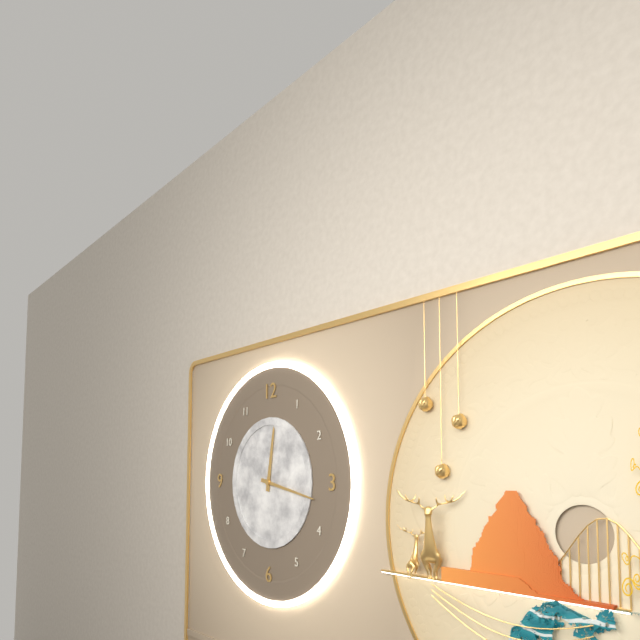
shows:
12,17
